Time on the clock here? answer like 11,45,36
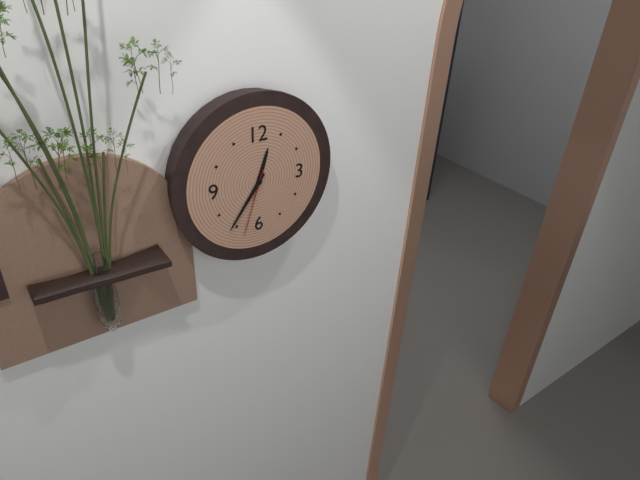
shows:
12,36,33
